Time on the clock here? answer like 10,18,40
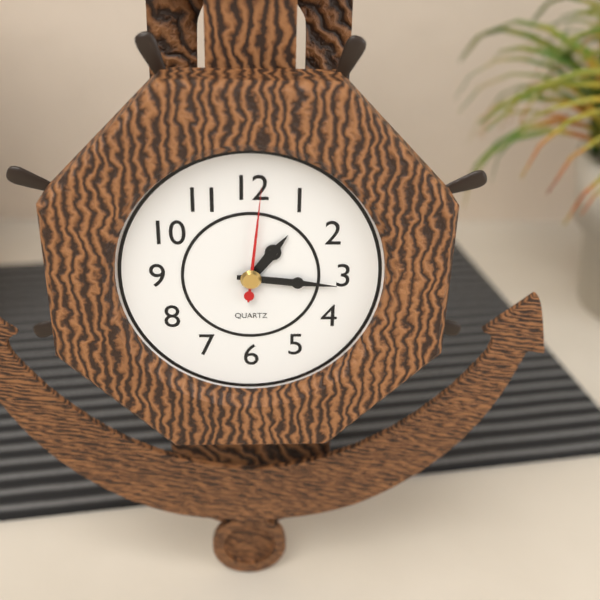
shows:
1,16,01
